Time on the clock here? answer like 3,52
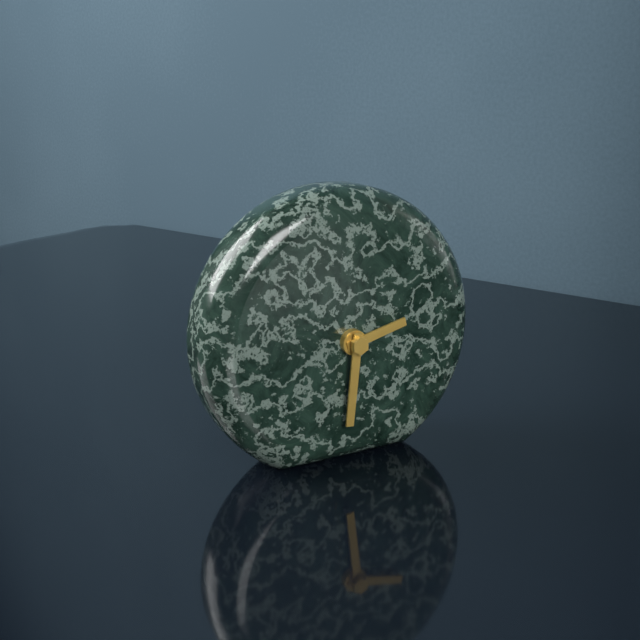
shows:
2,31
